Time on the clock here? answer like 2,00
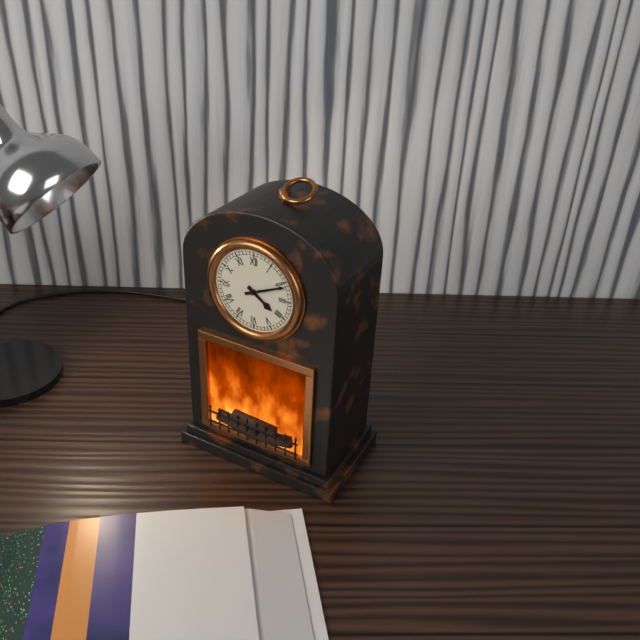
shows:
4,11
